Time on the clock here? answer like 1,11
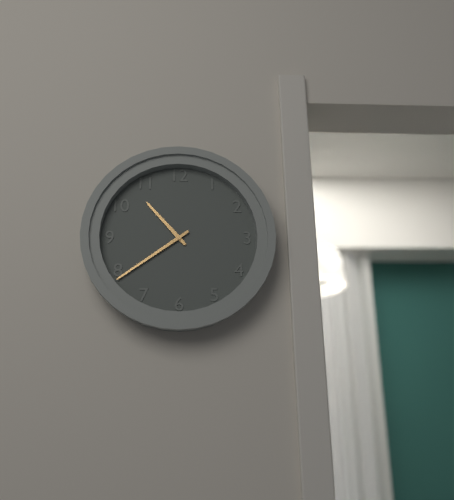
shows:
10,39
